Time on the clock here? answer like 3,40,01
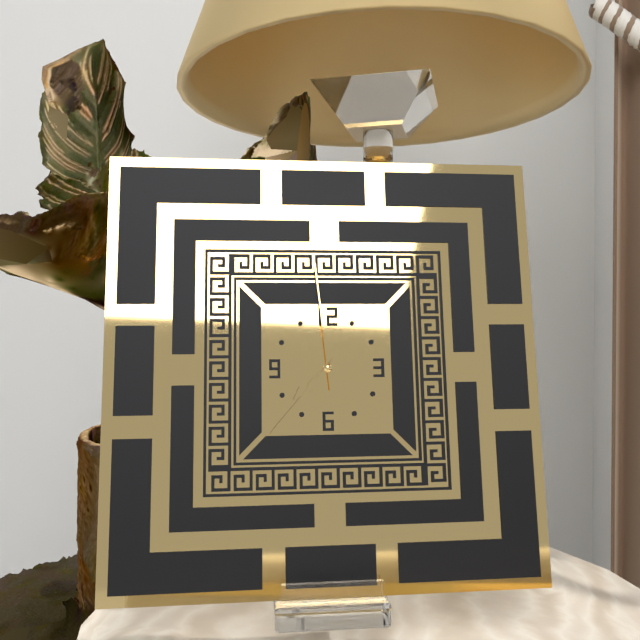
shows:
7,37,59
